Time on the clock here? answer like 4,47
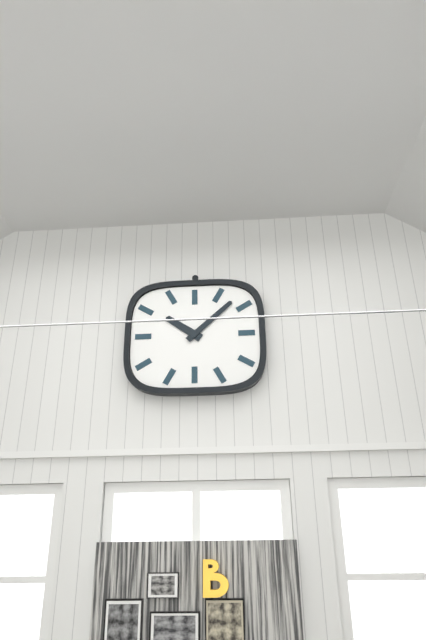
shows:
10,08
